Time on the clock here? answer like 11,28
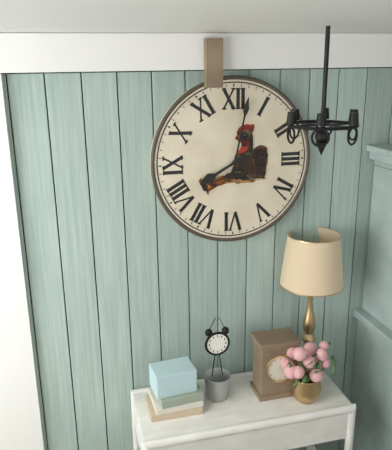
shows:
8,02
